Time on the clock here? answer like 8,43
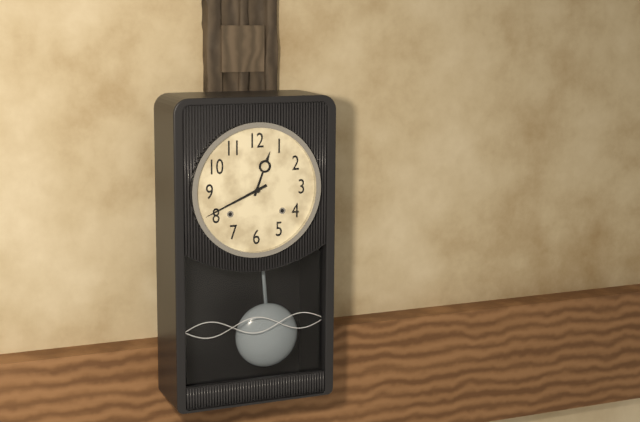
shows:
12,41
